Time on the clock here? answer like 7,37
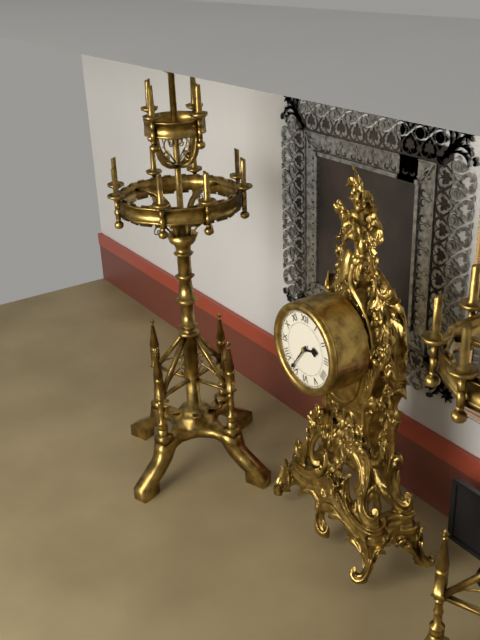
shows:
2,36
